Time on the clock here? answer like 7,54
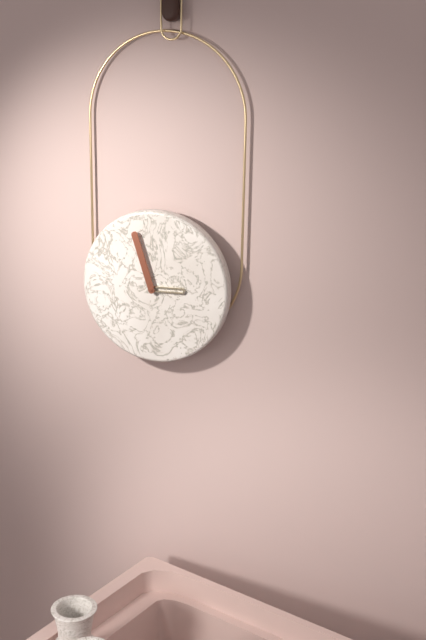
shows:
2,57
